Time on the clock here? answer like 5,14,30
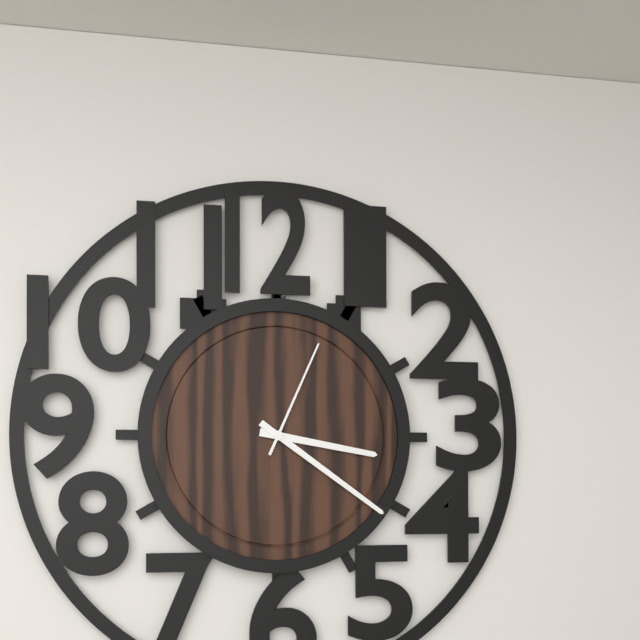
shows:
3,21,04
